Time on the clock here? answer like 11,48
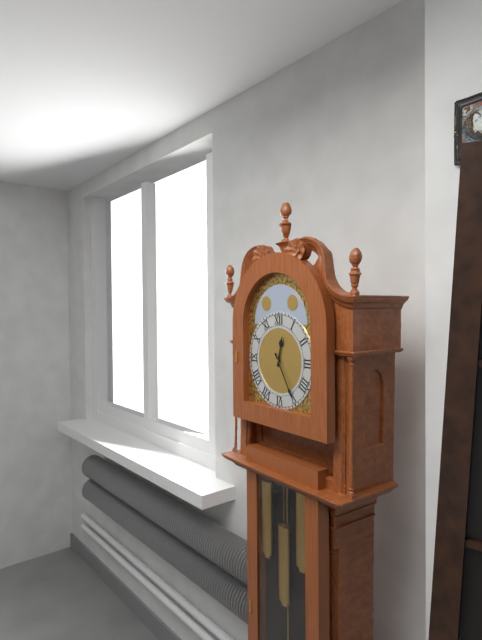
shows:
12,25
